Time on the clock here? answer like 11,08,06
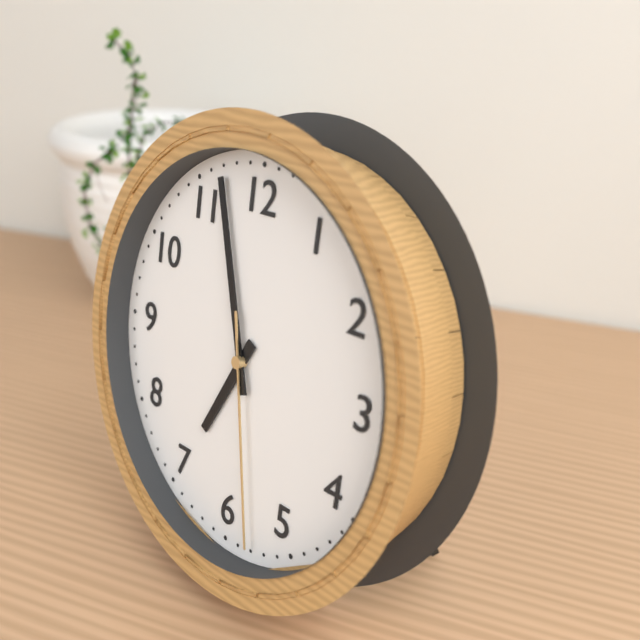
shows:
6,57,28
